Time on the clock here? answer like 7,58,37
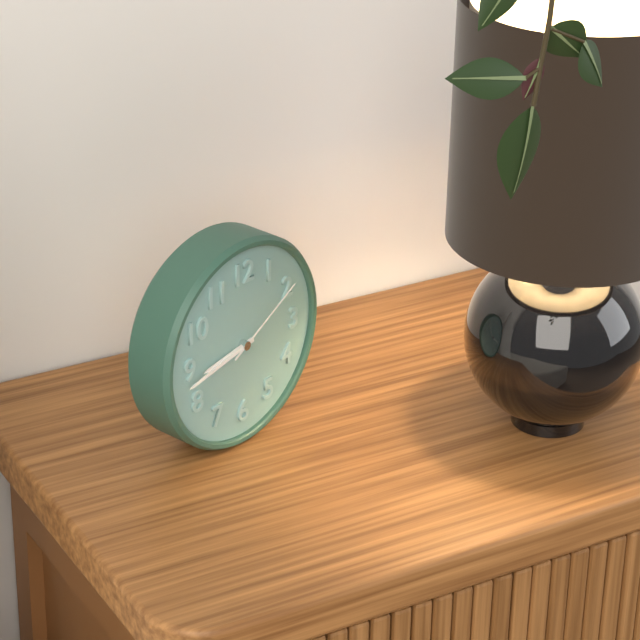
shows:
8,43,10
